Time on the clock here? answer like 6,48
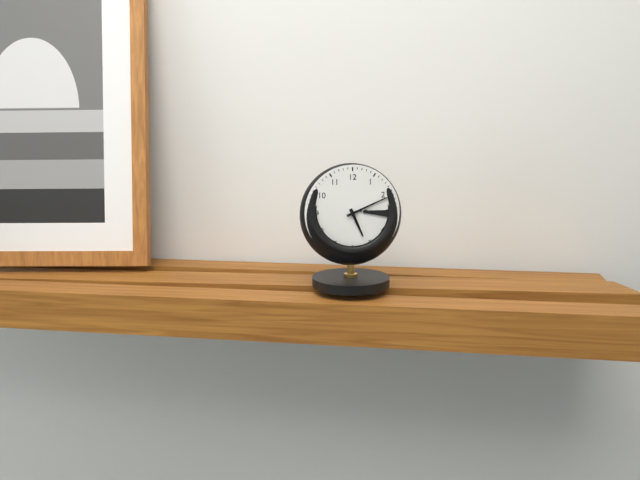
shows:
5,11
